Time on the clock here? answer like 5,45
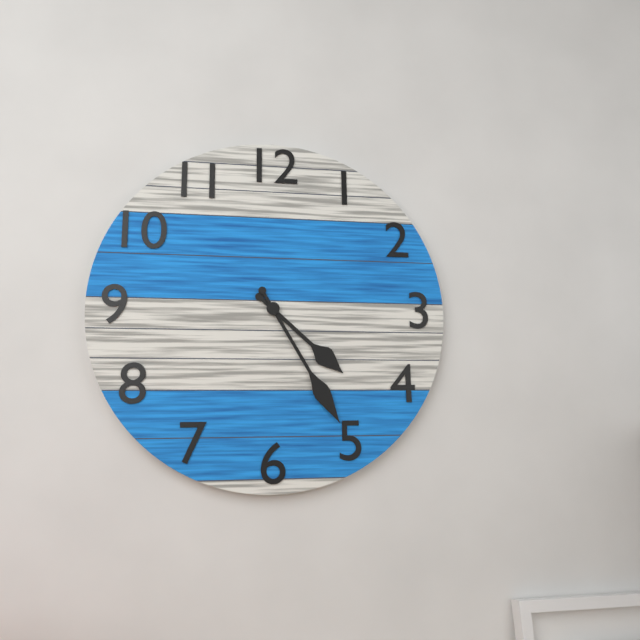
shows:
4,25
